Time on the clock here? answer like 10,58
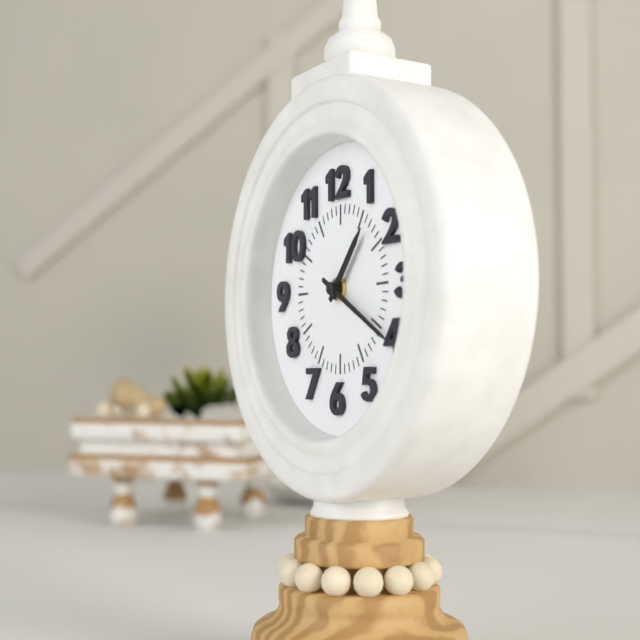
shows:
1,20
